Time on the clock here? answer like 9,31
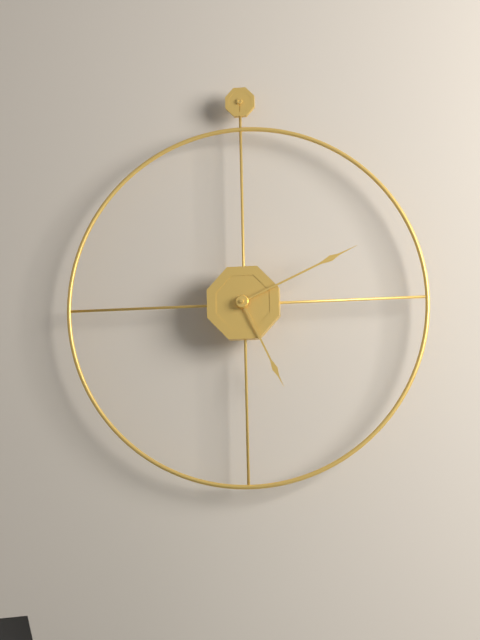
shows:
5,11
